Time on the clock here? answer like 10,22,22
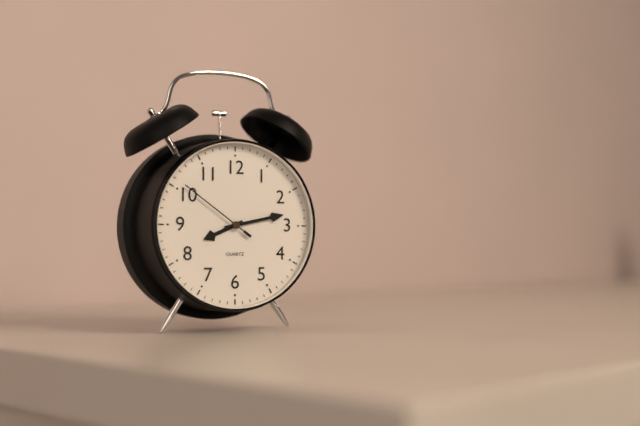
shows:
8,13,51
